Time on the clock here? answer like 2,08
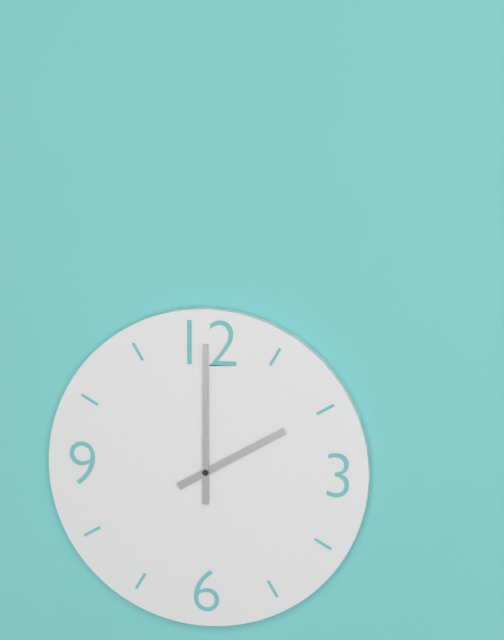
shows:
2,00
